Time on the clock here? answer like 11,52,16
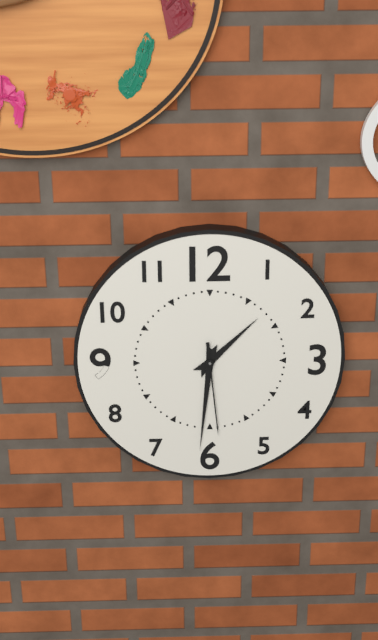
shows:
1,31,29
